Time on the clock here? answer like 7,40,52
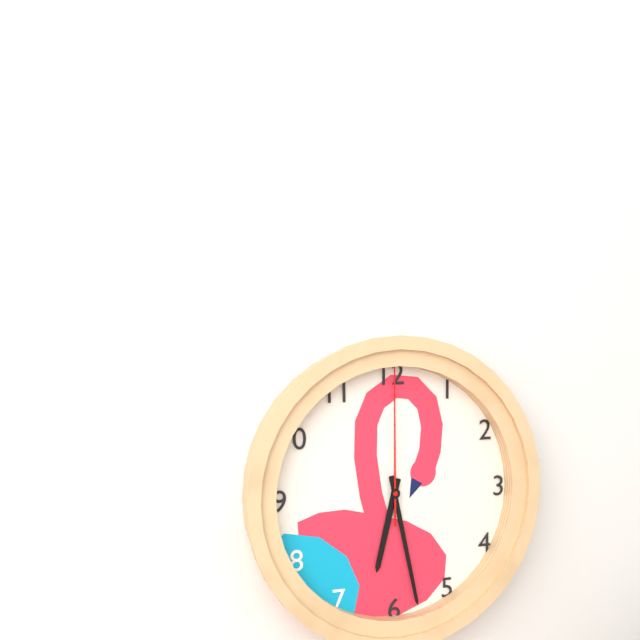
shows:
6,28,00
